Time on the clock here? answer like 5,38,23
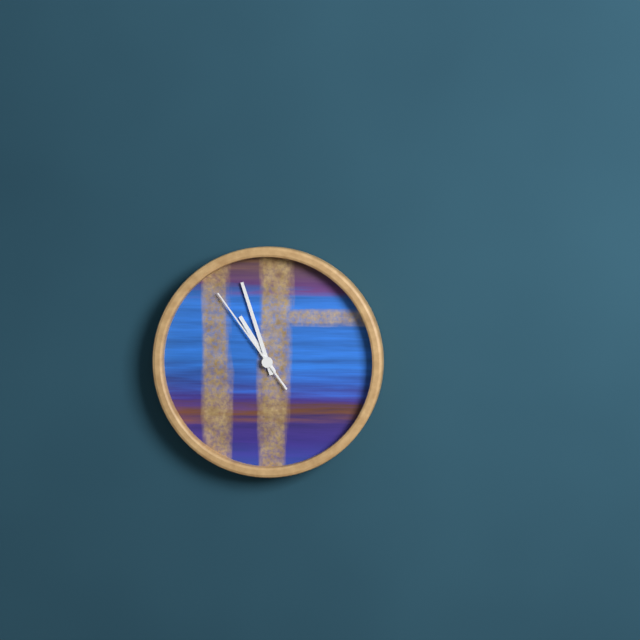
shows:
10,57,54
